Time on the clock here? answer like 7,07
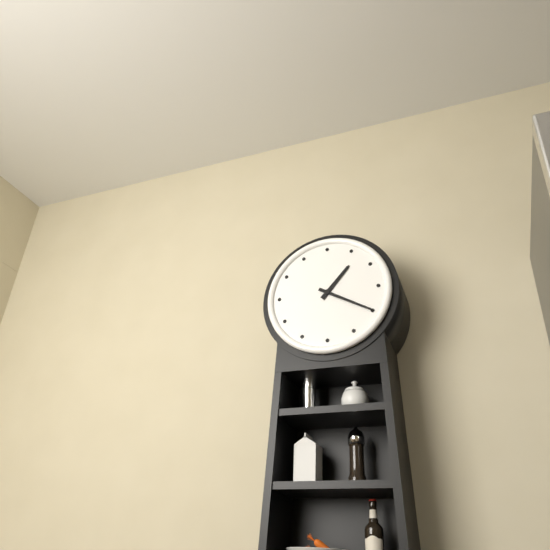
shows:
1,20
